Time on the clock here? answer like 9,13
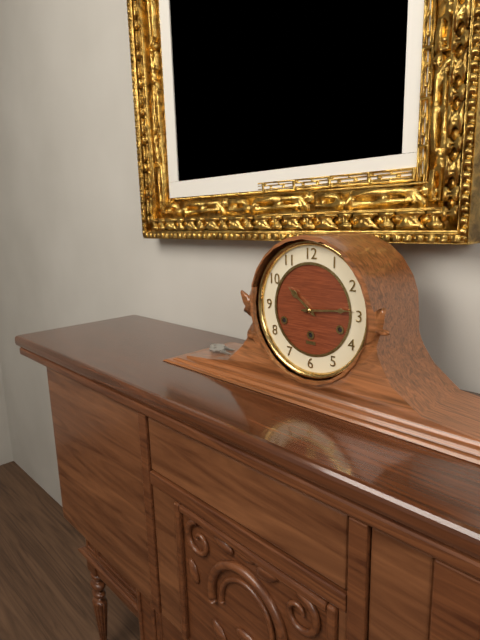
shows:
10,14
